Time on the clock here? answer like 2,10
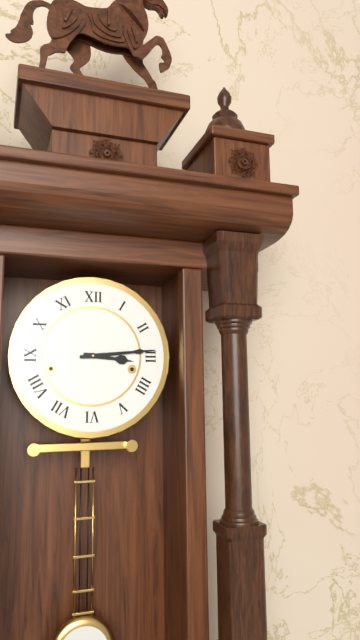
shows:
3,14
